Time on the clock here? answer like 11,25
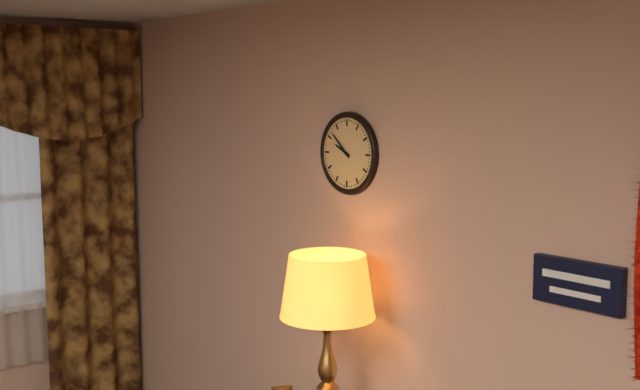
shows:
9,52
